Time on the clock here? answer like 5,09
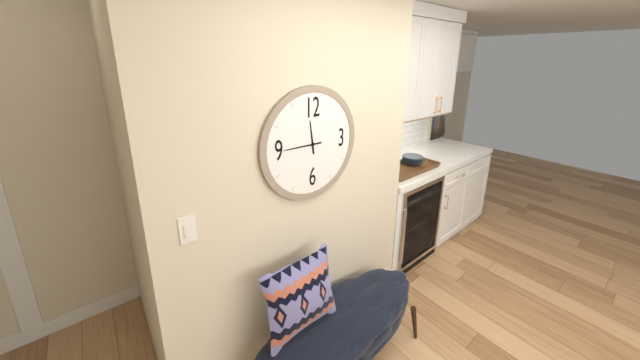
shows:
11,45
